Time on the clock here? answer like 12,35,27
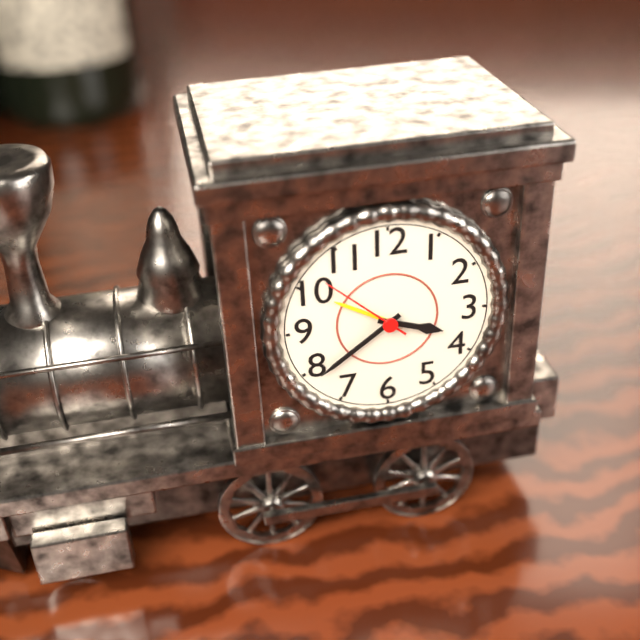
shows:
3,39,52
